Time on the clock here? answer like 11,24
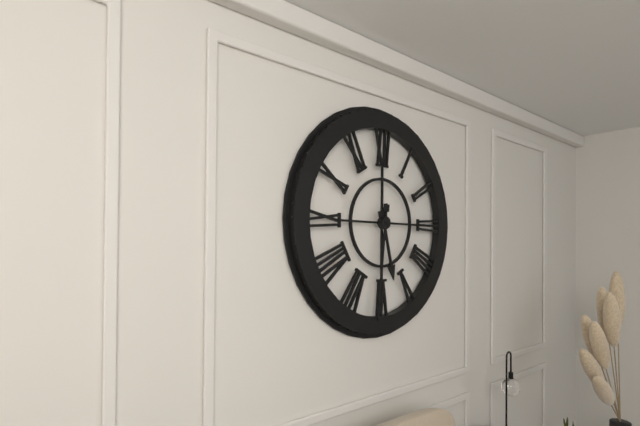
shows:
5,31
